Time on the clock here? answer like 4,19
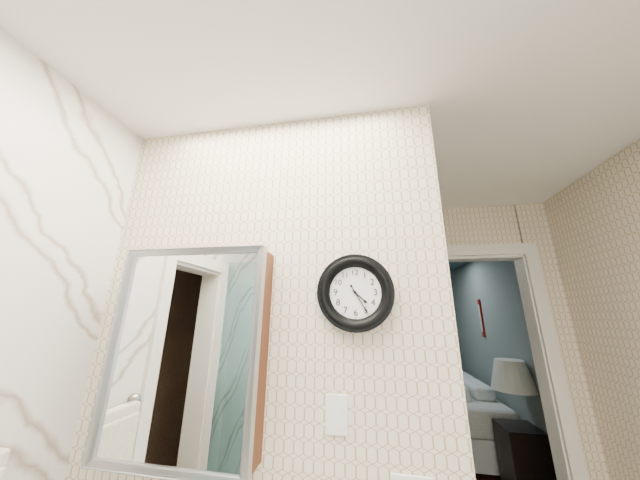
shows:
4,25
